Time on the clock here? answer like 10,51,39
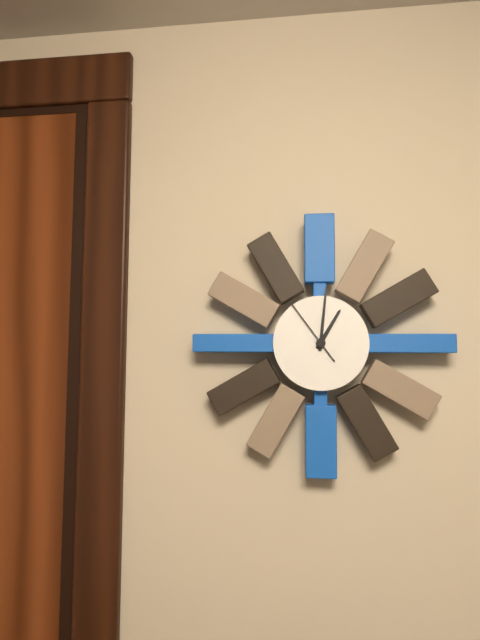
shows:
1,01,54
